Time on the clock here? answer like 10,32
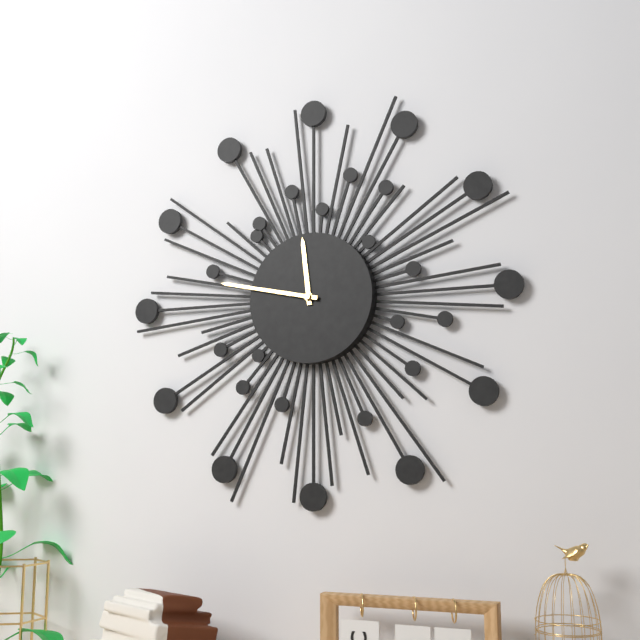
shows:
11,47
